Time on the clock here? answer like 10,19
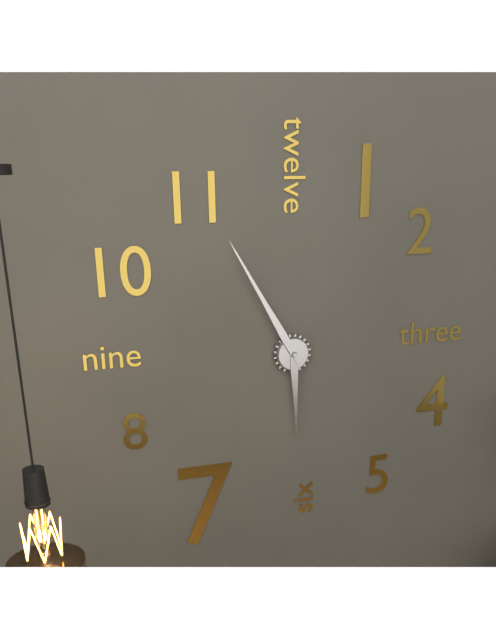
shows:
5,55
